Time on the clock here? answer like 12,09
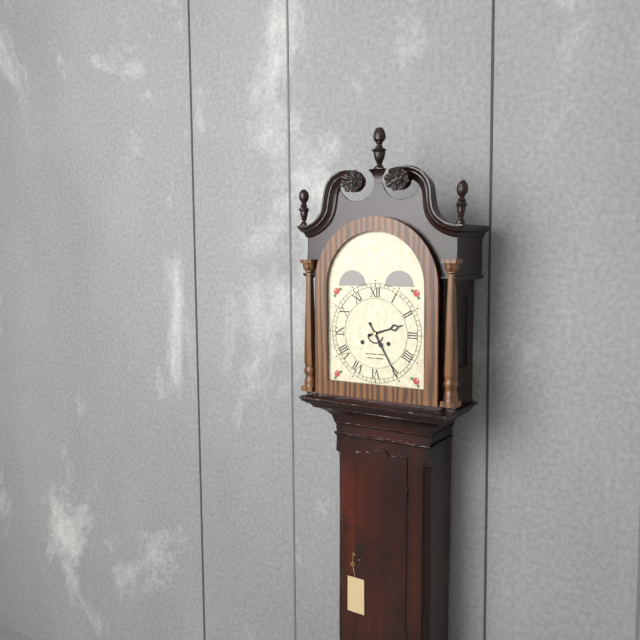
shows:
2,25
